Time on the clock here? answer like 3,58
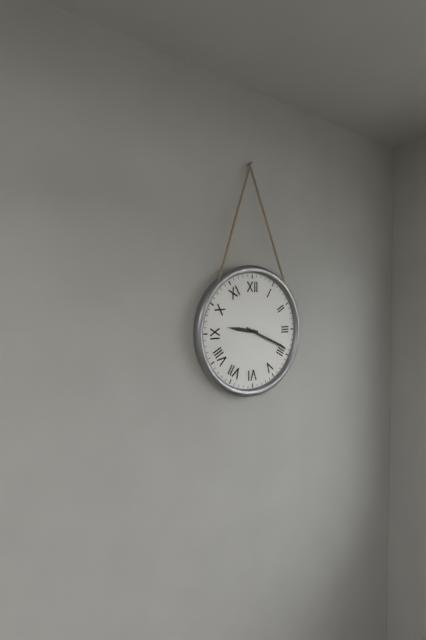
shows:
9,19
